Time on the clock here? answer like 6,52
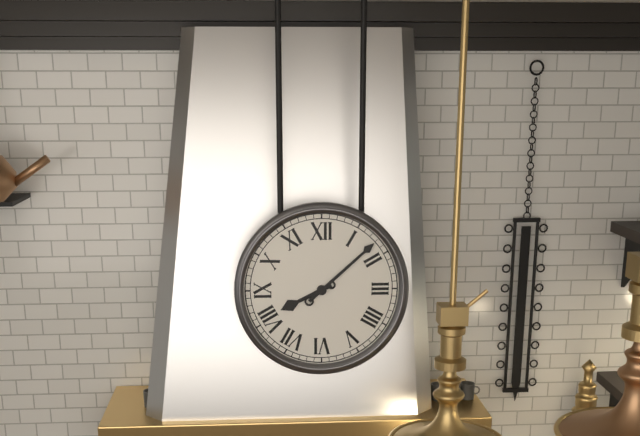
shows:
8,08
